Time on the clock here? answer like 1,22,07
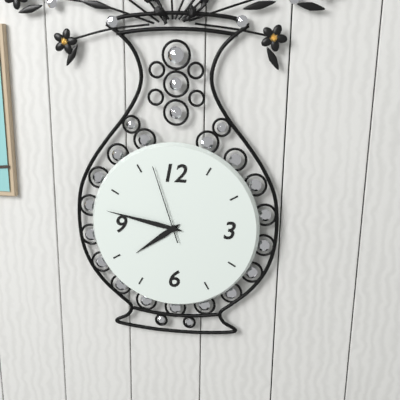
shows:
7,47,57
